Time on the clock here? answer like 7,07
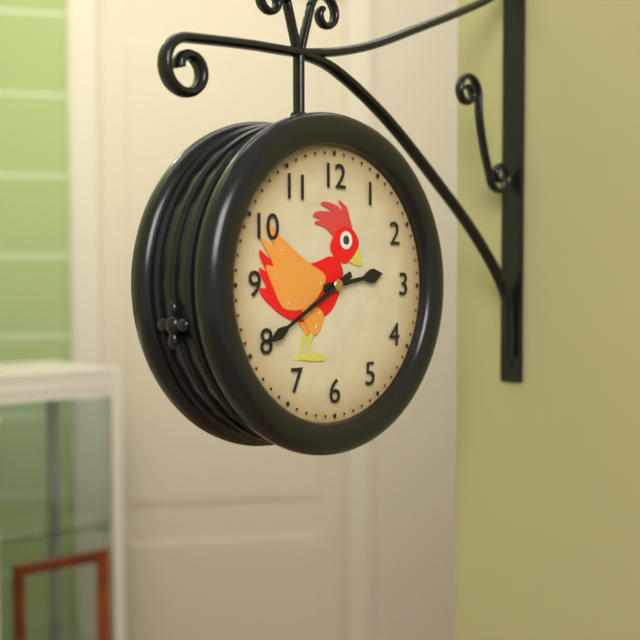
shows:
2,40
